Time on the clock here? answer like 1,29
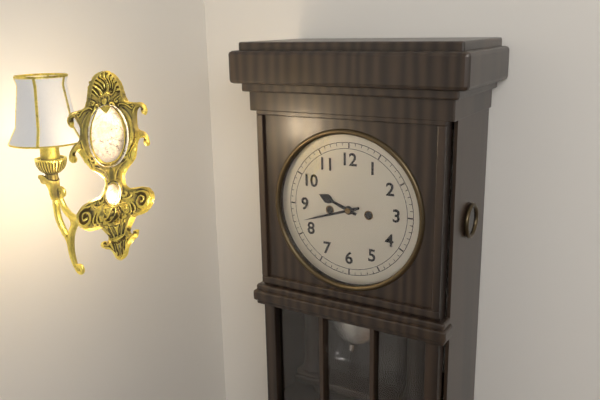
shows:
9,42
